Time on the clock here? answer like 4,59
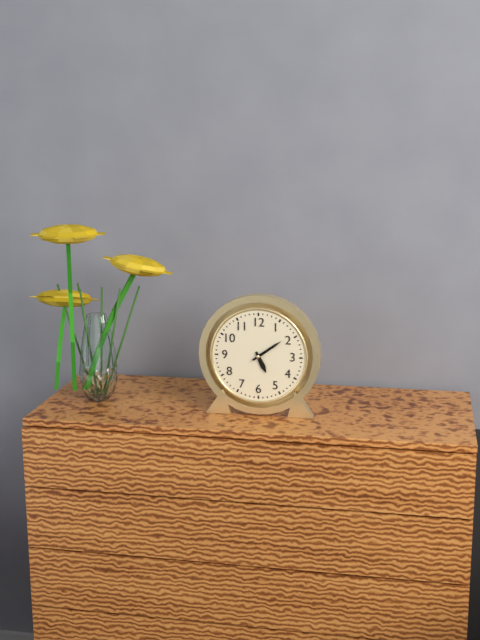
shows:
5,09
